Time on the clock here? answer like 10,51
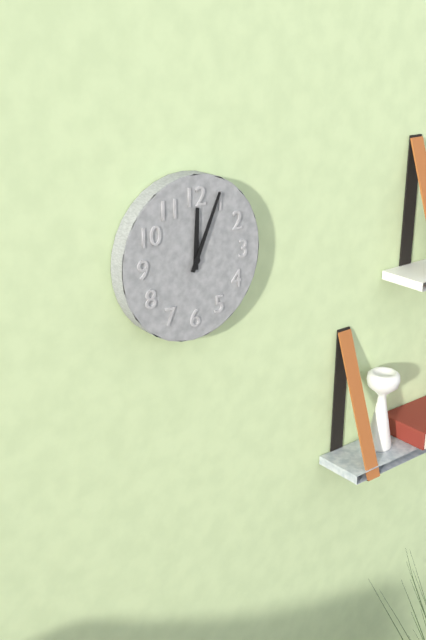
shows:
12,04
